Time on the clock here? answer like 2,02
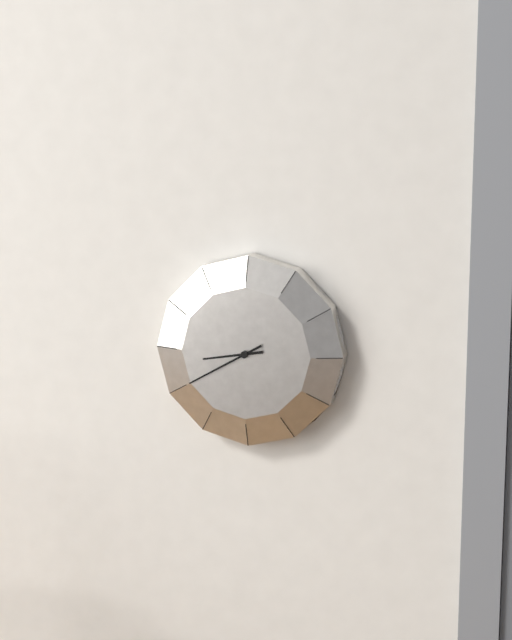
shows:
8,40
